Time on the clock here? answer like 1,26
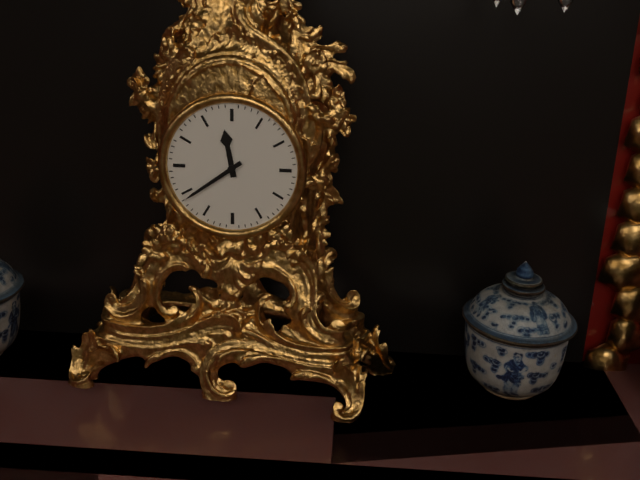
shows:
11,39
